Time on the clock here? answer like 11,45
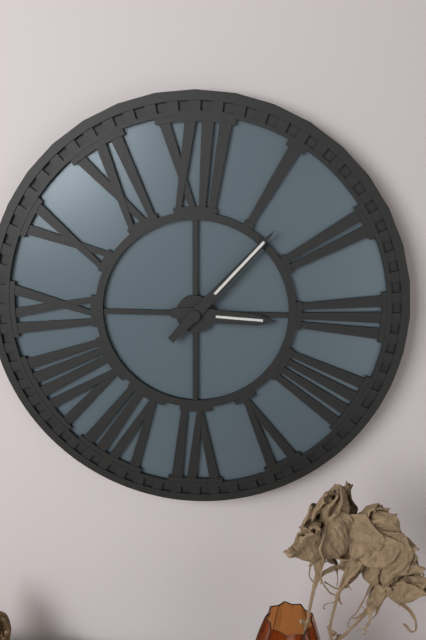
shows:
3,07
